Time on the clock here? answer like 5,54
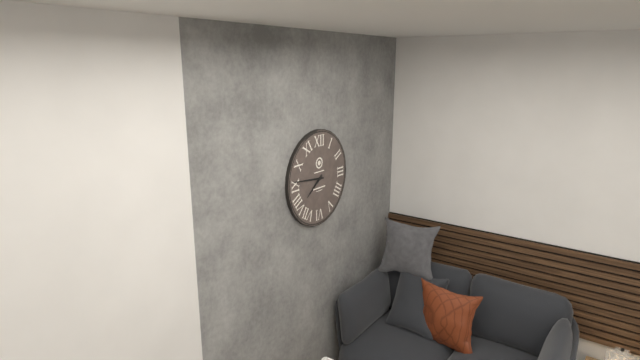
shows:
7,46
